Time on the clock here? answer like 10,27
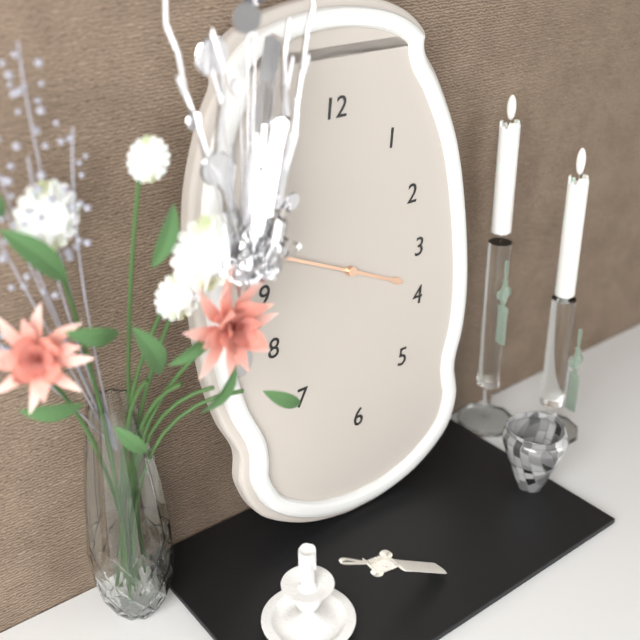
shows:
3,49
